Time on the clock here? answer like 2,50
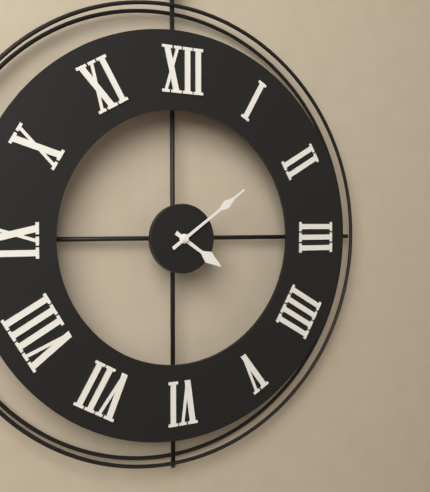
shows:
4,09
